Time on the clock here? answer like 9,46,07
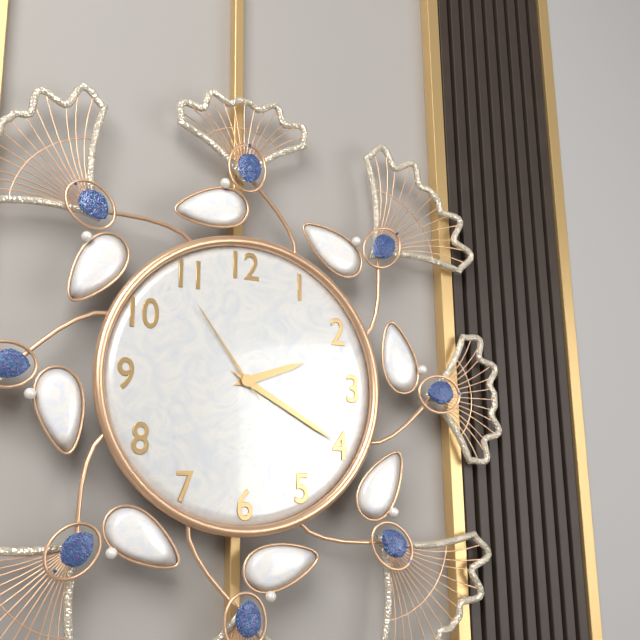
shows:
2,20,54
